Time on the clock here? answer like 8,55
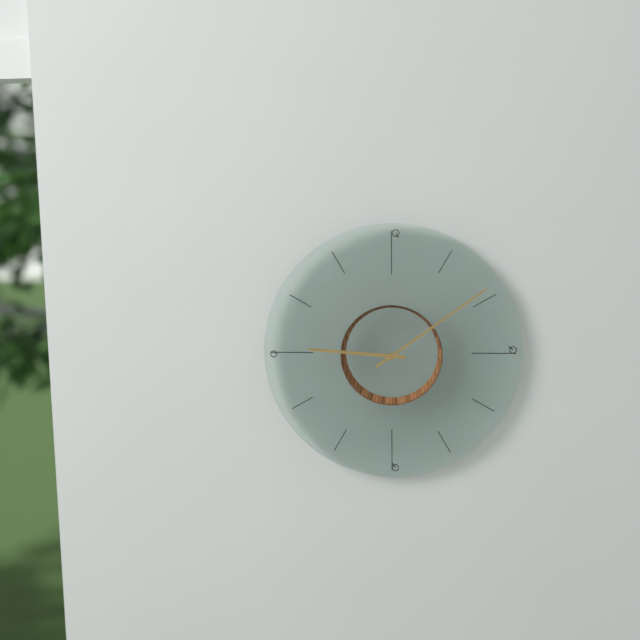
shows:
9,09
